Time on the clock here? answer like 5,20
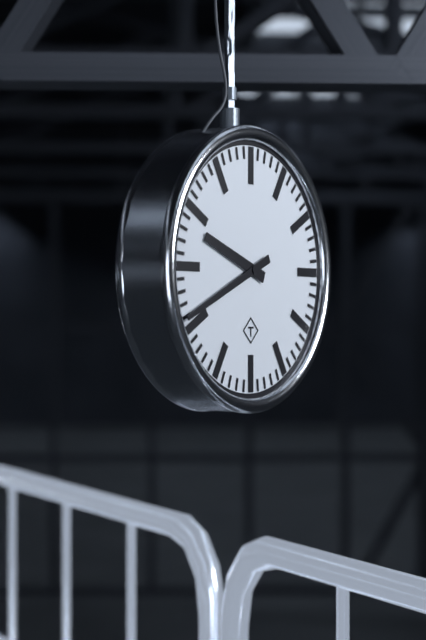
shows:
9,41
